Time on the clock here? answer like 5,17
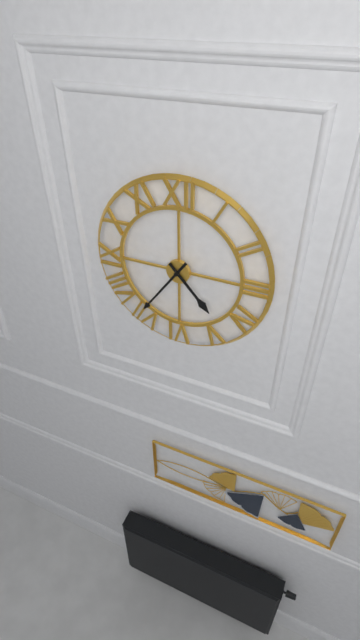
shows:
4,36
